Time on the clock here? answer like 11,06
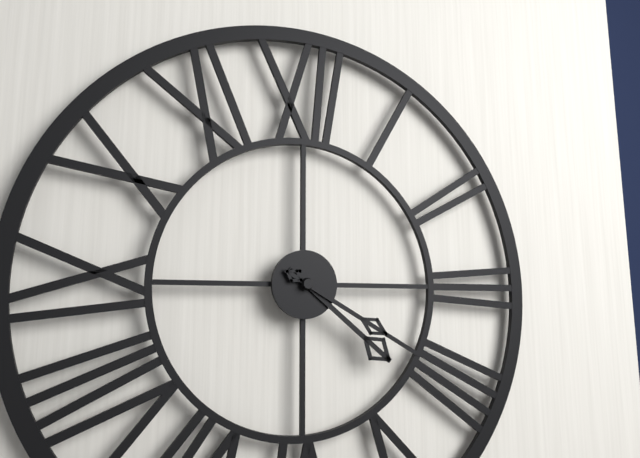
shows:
4,20
